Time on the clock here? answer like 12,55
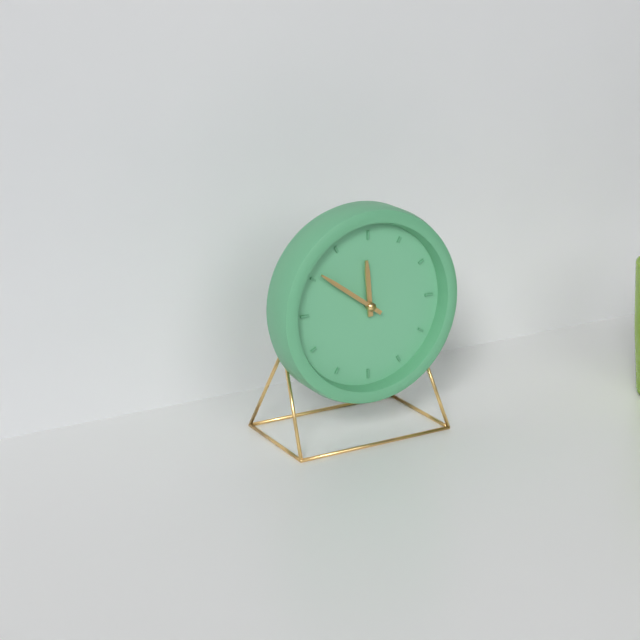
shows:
11,51
